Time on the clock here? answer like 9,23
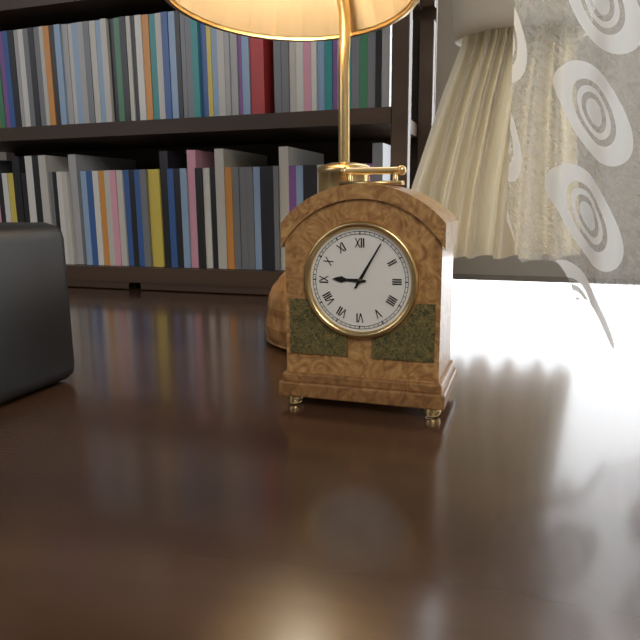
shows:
9,05
